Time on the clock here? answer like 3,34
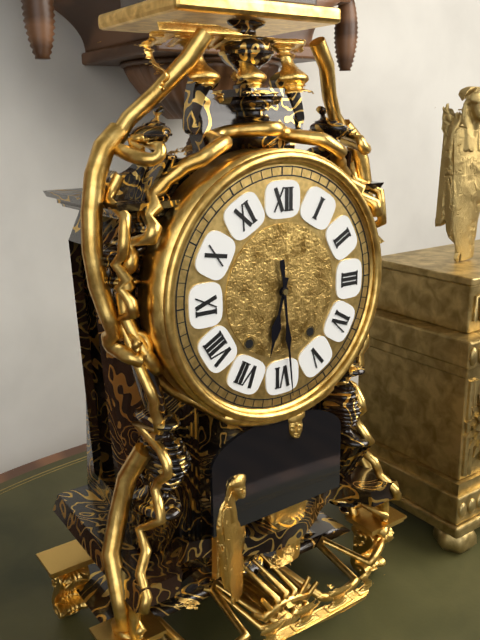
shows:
6,29
